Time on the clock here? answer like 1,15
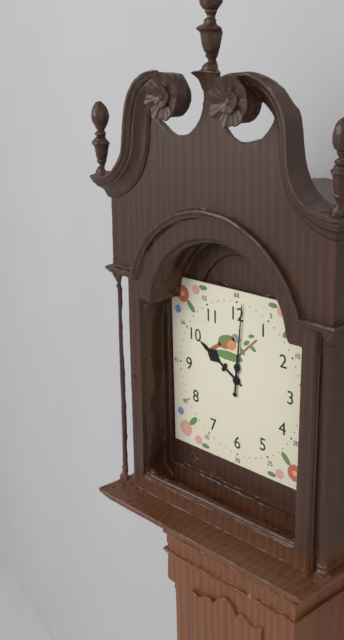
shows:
10,01
